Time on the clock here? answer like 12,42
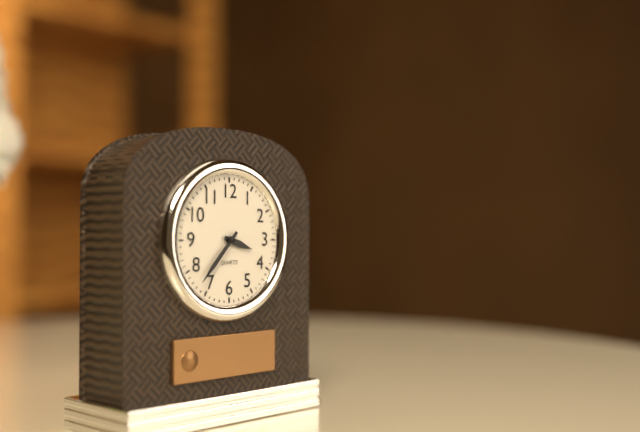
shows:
3,37
